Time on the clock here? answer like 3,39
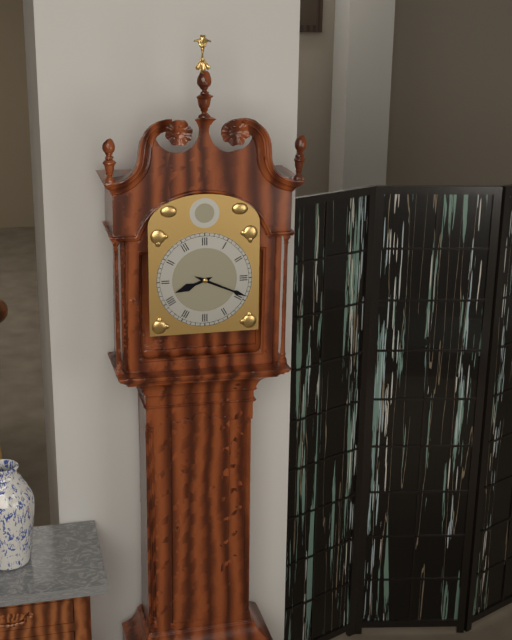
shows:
8,19
